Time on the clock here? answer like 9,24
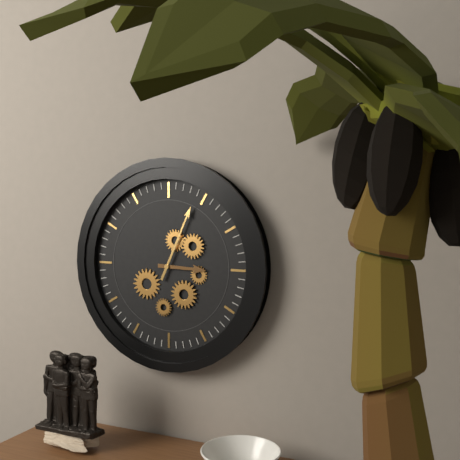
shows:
3,04
